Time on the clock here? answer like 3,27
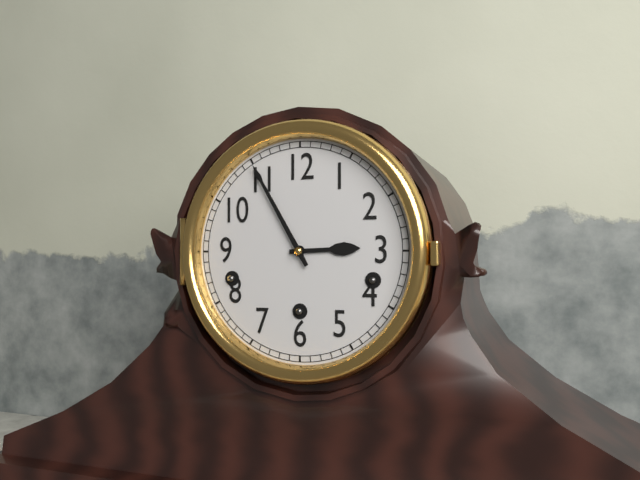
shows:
2,55
